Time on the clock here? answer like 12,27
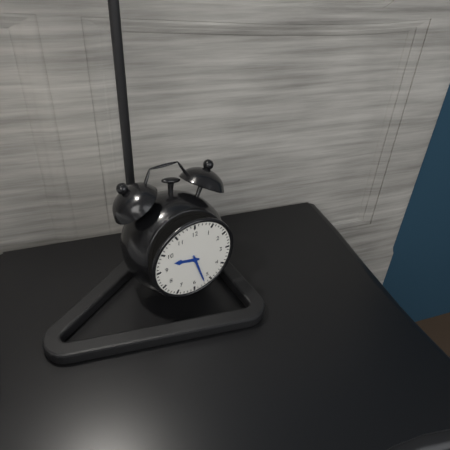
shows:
9,27
